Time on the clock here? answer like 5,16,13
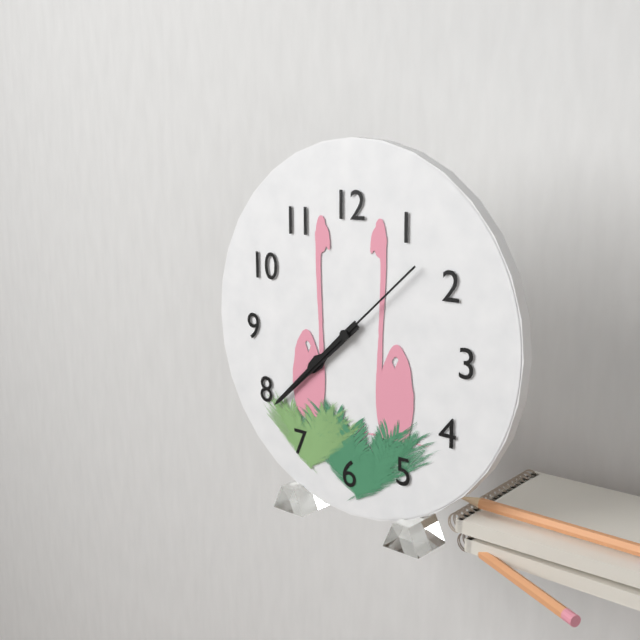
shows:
7,38,08
